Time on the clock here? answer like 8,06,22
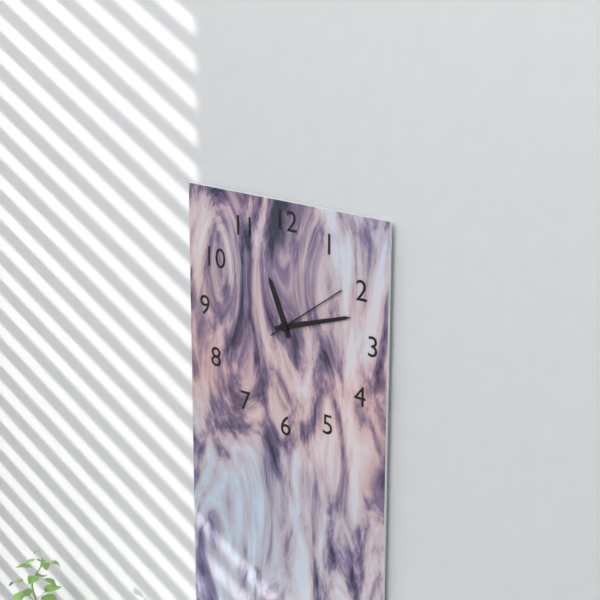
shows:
11,12,09
